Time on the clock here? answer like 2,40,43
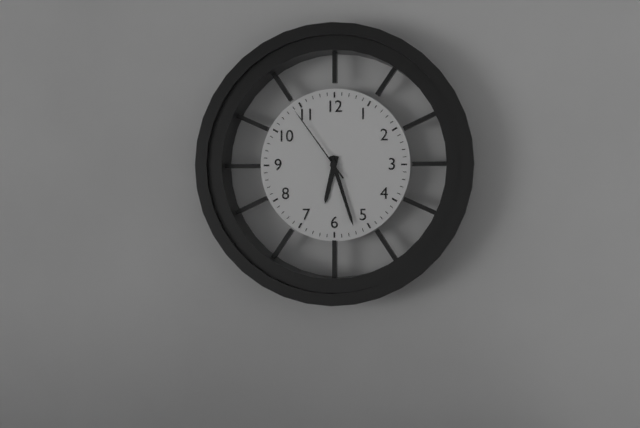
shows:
6,27,54
